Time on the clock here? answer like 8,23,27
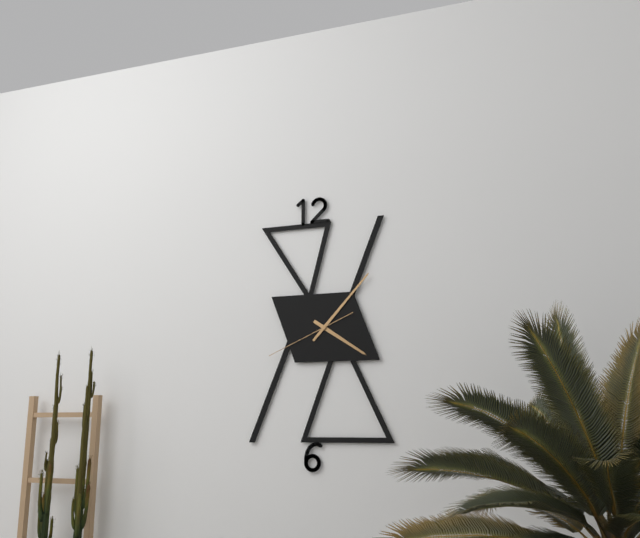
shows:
4,07,41
